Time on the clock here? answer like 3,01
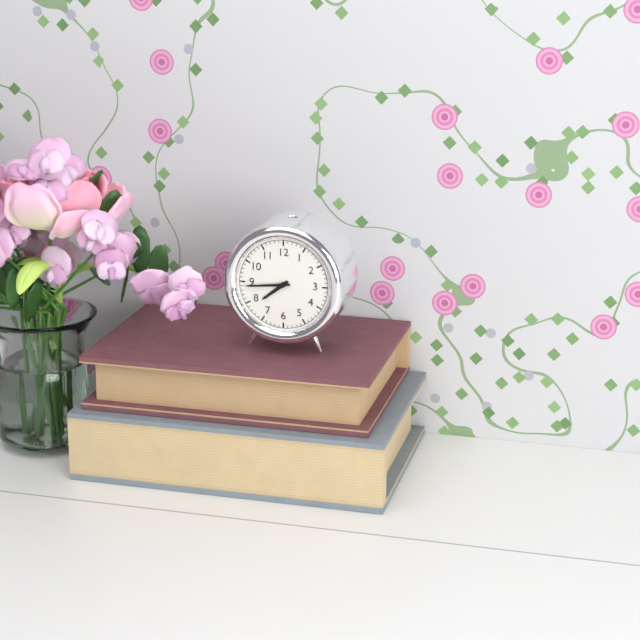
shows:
7,44
